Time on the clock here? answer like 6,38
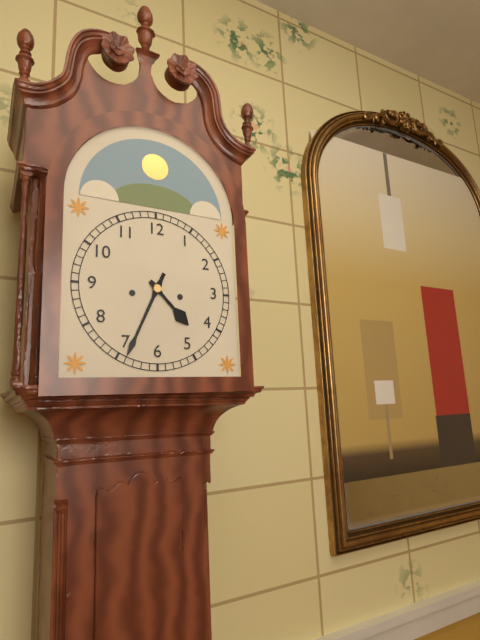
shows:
4,34
